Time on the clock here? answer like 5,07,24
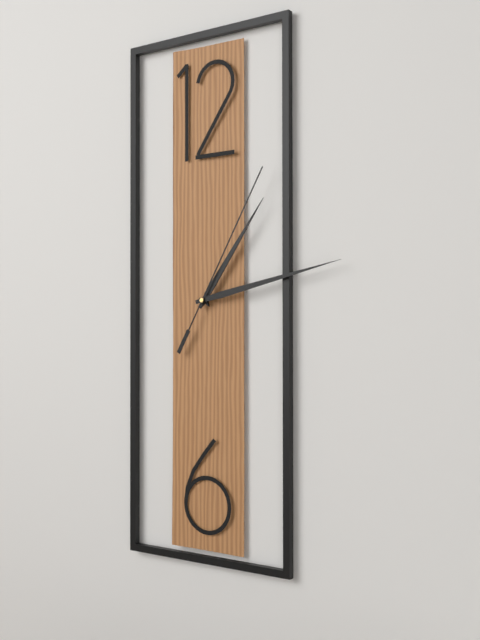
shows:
1,13,05
